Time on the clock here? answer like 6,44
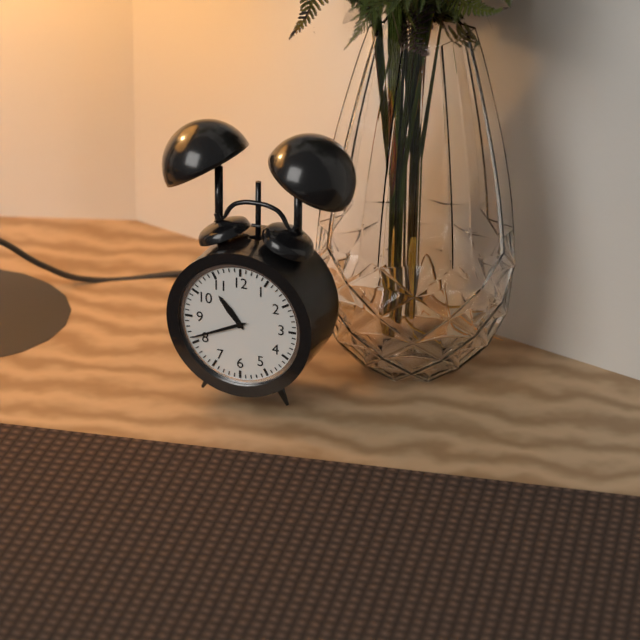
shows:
10,41
